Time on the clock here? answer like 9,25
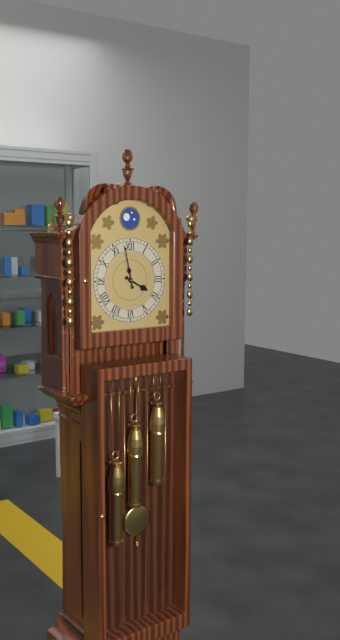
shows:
3,58
